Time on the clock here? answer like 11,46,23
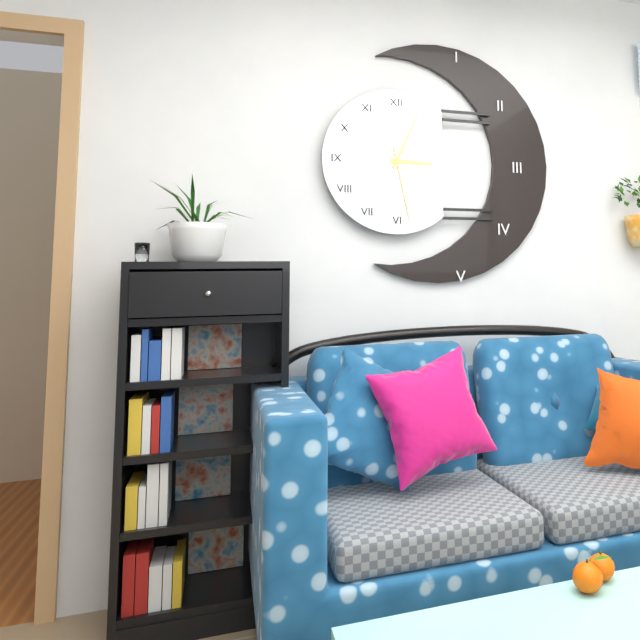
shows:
3,04,28
